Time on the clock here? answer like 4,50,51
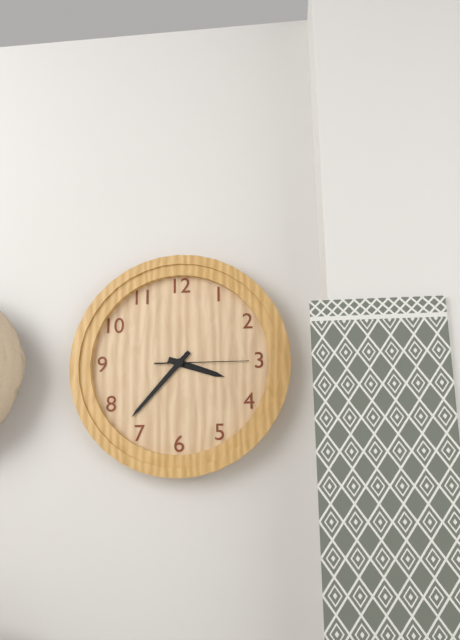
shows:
3,37,15
